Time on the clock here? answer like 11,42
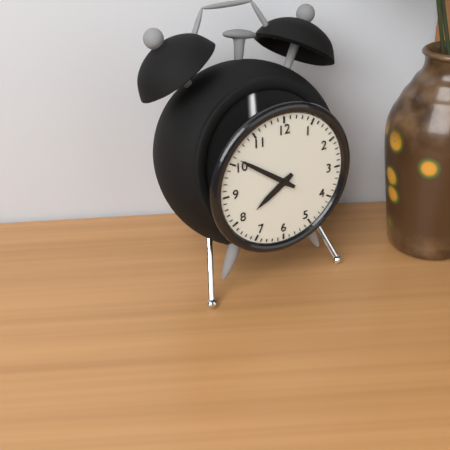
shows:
7,51
